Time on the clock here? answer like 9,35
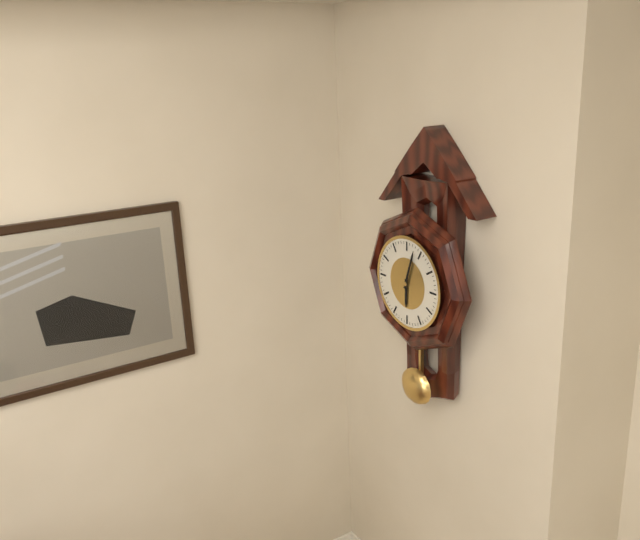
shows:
6,03
